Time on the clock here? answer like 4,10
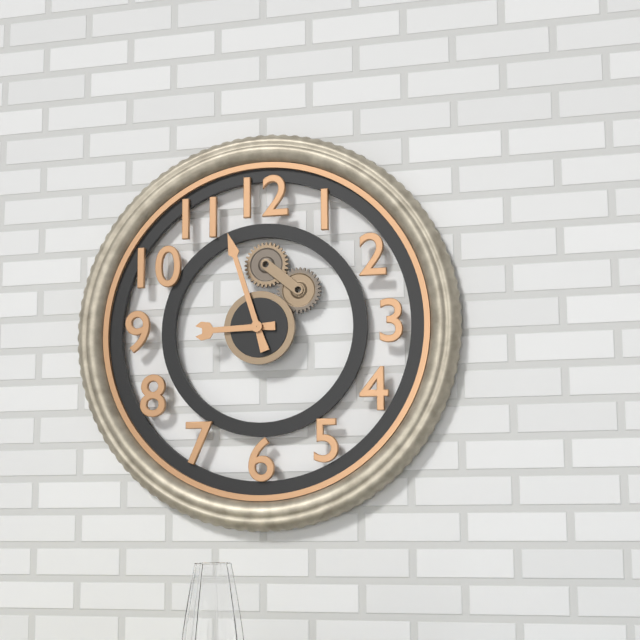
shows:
8,57
